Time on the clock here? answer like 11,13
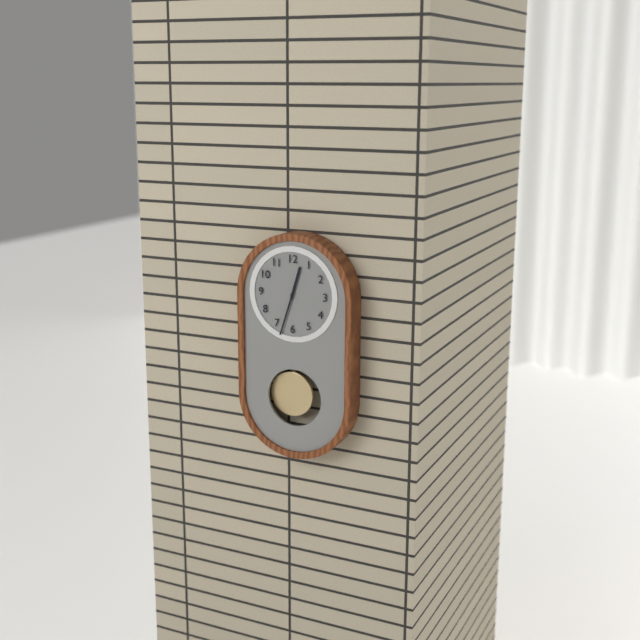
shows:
12,33
